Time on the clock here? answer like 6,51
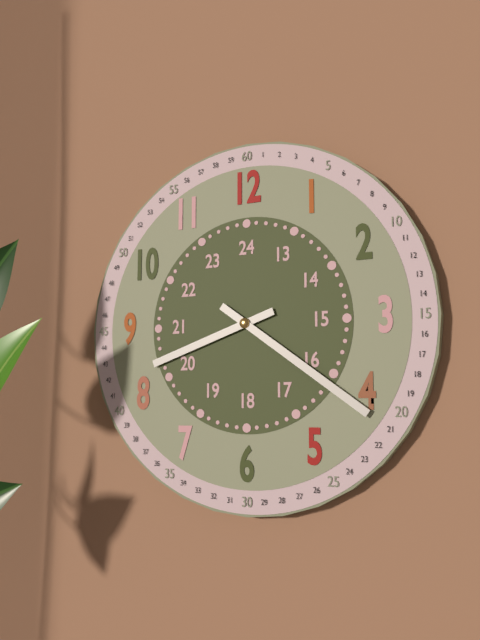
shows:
8,21
